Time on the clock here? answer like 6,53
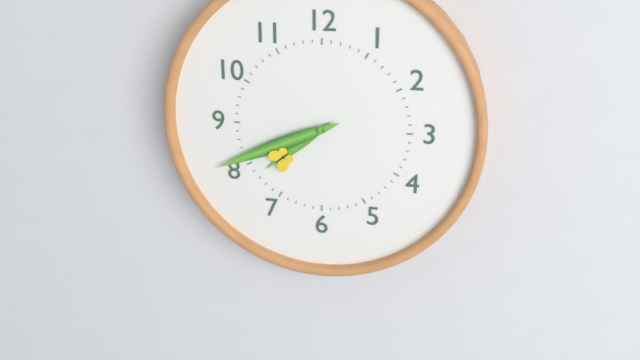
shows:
7,41
